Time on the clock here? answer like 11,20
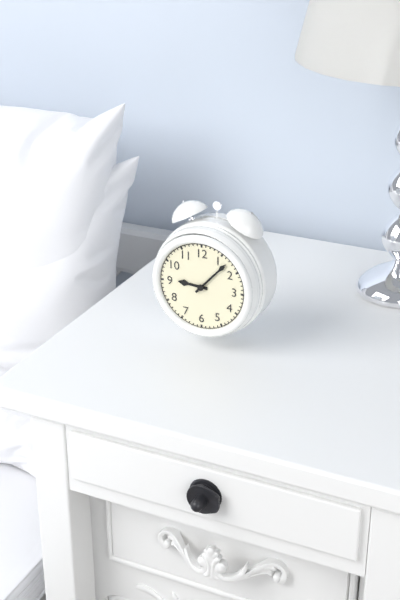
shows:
9,07
